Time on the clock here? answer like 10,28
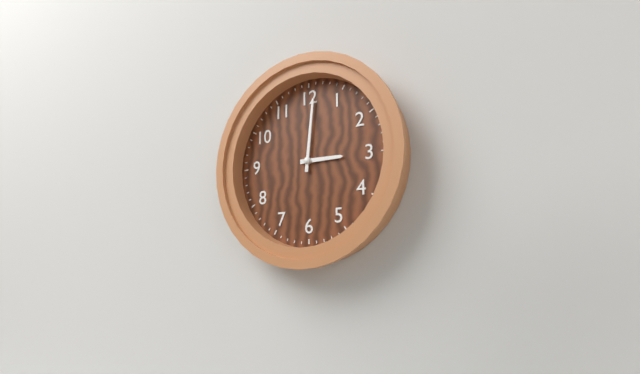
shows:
3,01
